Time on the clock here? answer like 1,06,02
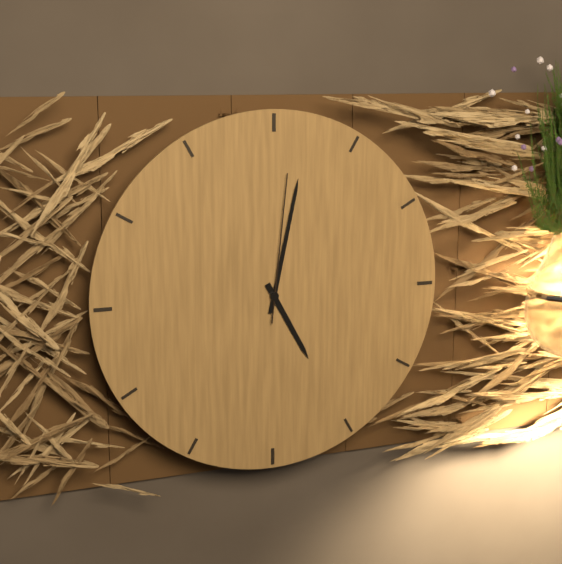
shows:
5,02,01
